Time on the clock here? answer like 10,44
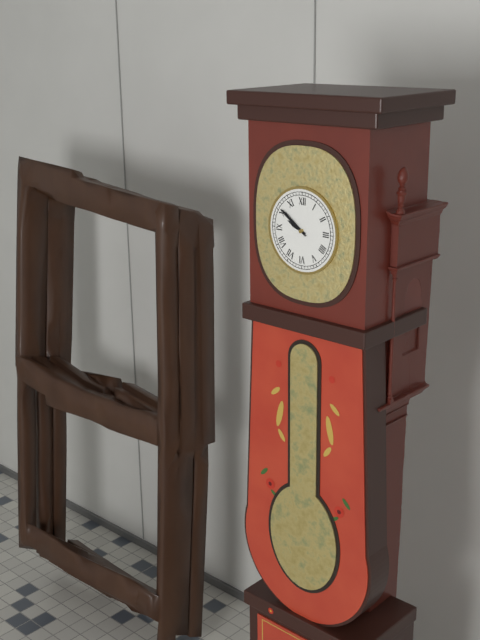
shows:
9,51
